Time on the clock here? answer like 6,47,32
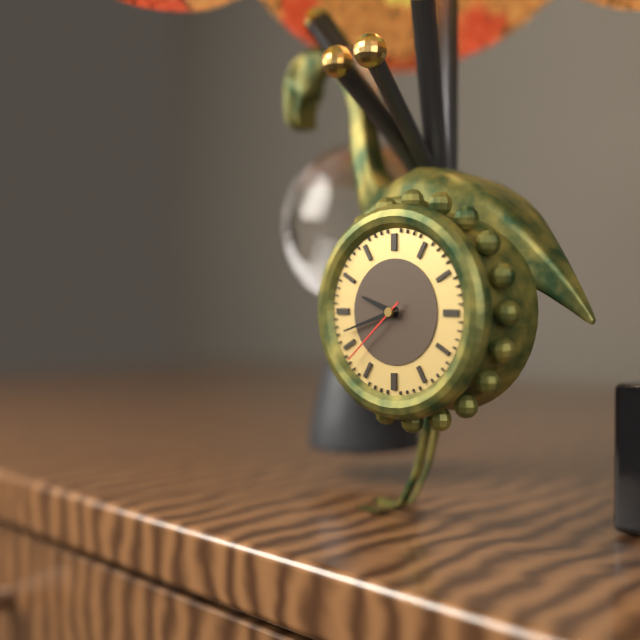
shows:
9,42,38
